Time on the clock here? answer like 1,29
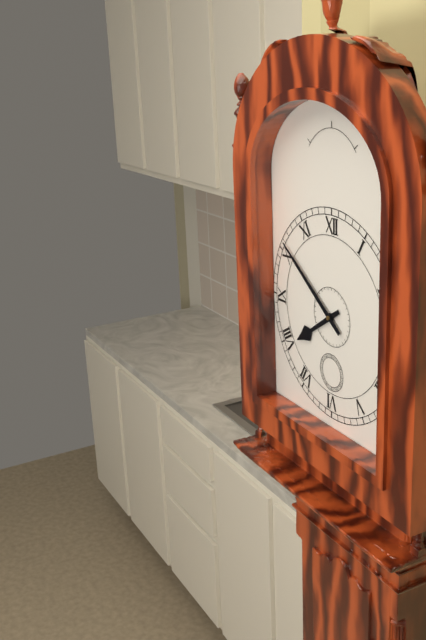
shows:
7,51
